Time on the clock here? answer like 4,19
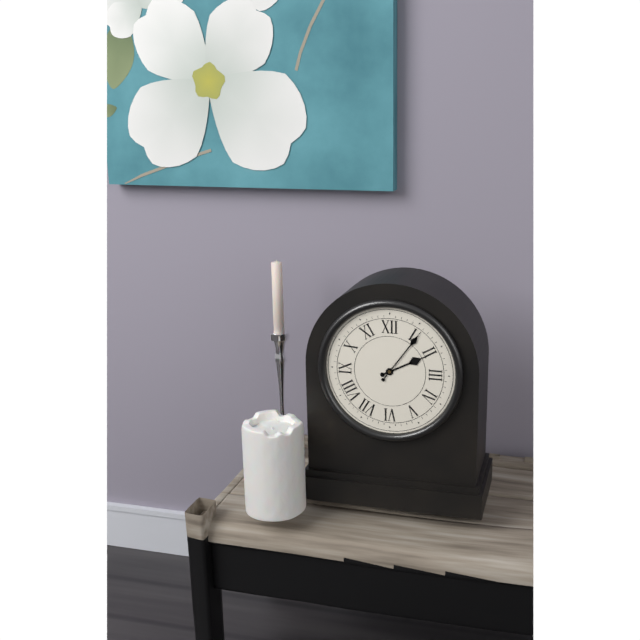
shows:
2,06
